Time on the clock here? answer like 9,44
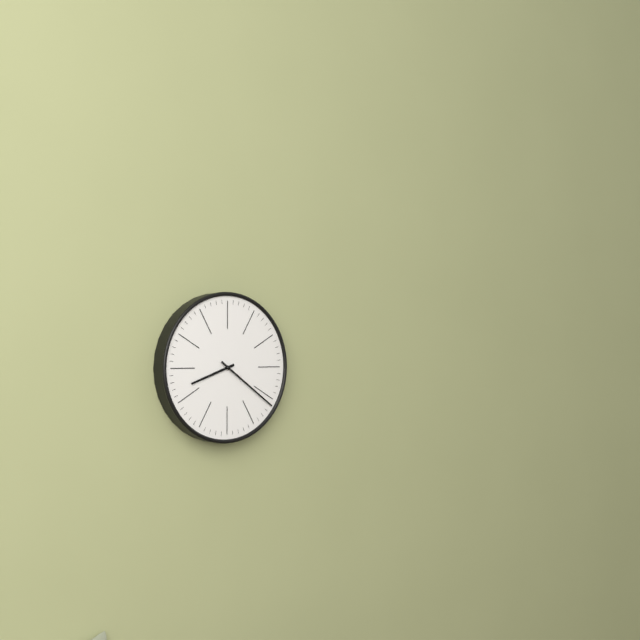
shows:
8,21
